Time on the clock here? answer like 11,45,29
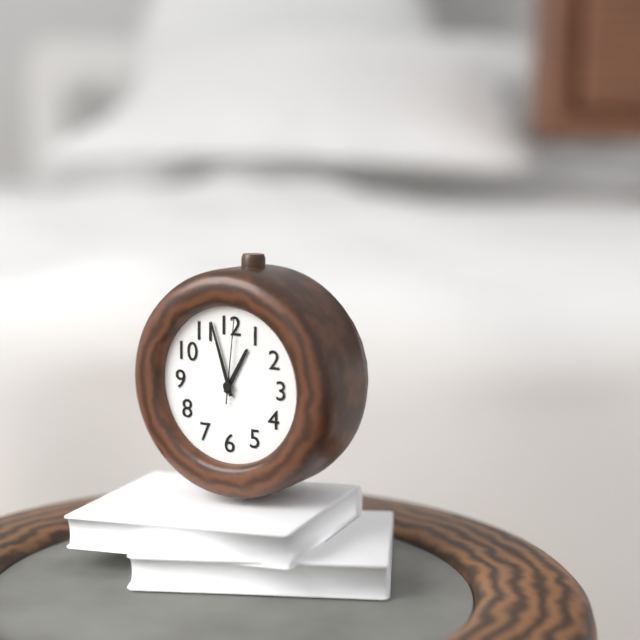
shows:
12,57,01
